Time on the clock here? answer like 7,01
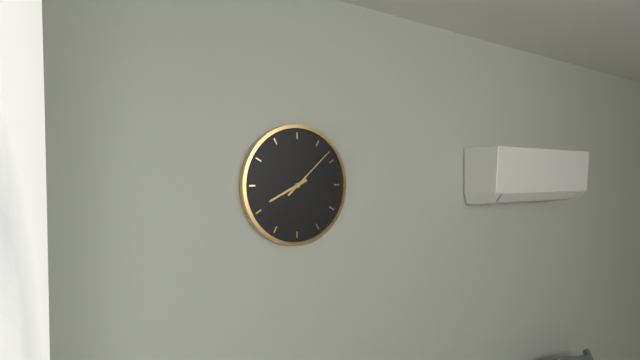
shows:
8,08
